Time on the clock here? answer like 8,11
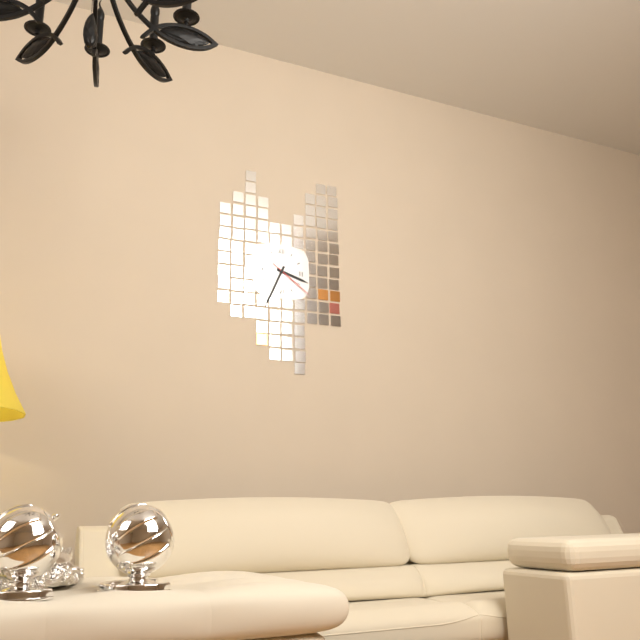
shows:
3,34
